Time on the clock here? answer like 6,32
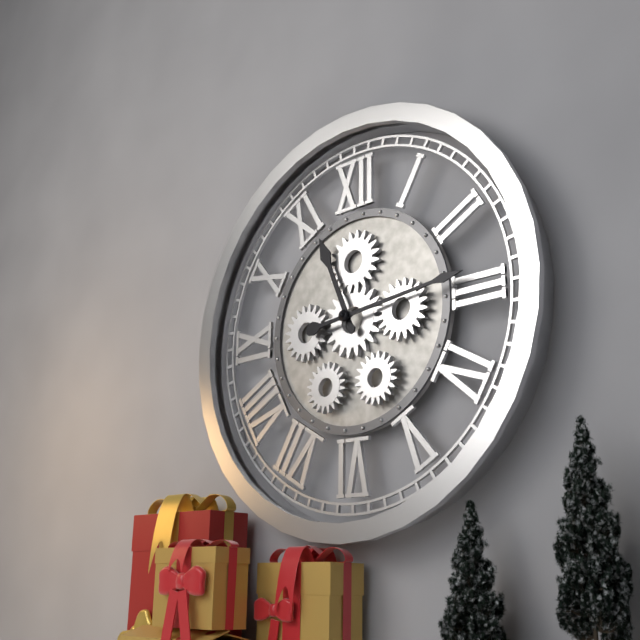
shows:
11,14
